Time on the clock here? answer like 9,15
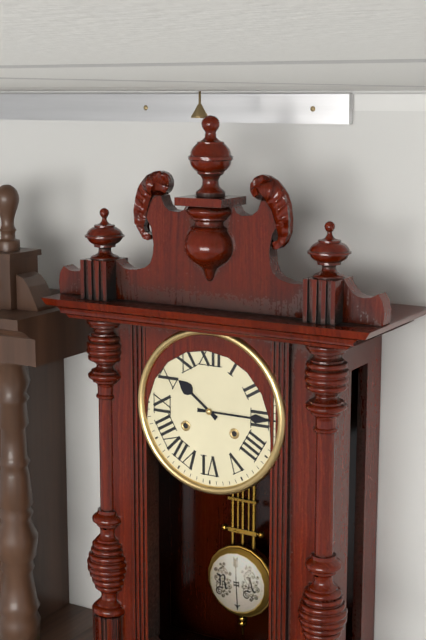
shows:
10,15
